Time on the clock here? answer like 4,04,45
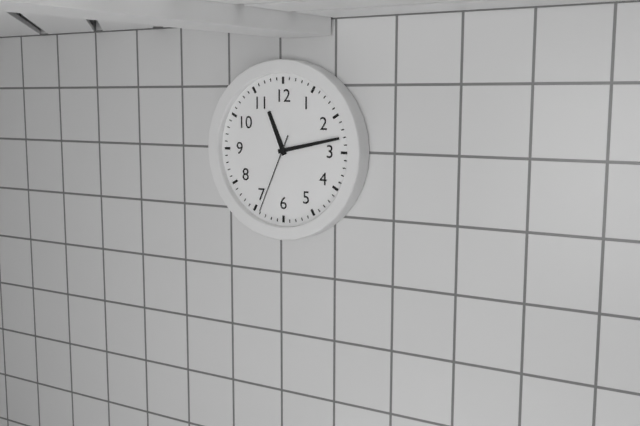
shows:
11,13,34
